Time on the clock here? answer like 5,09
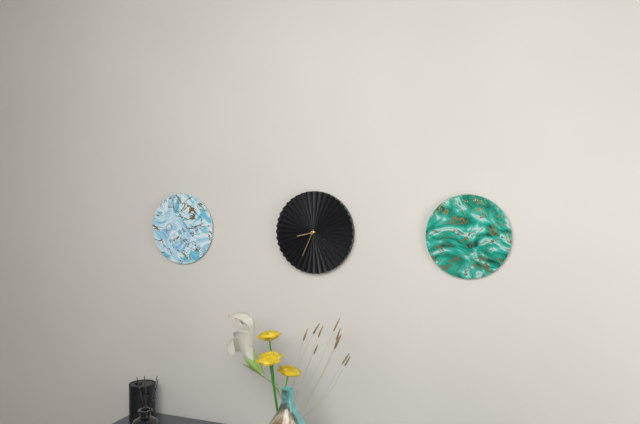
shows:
8,34
